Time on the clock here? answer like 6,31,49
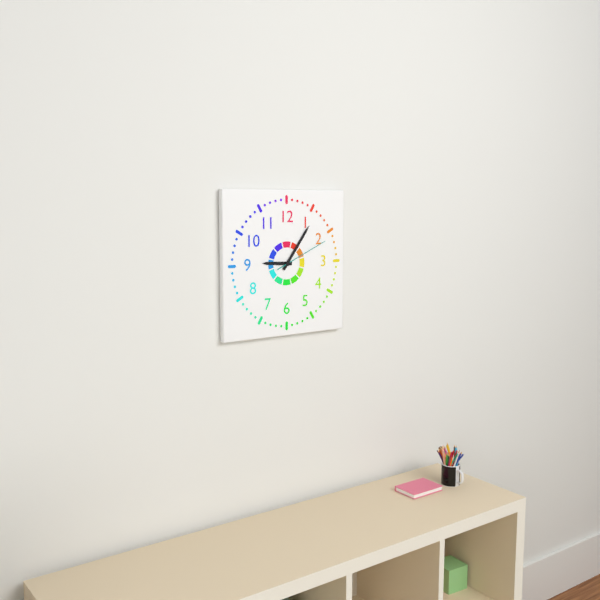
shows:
9,06,11
